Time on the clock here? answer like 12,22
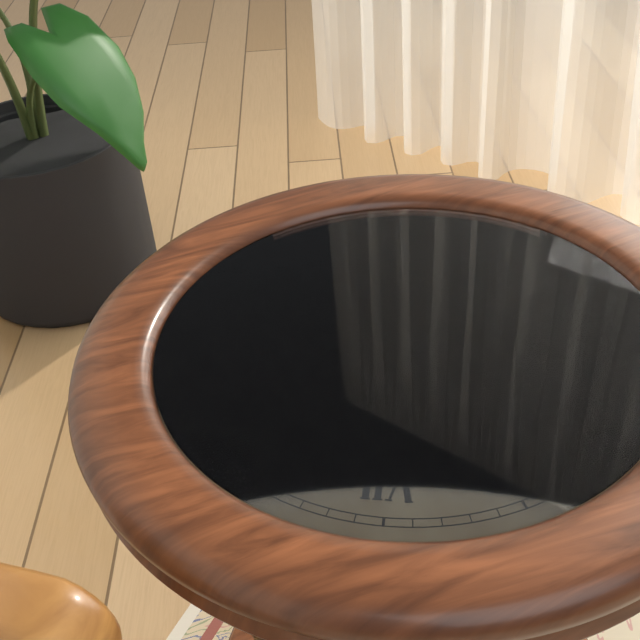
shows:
10,03
